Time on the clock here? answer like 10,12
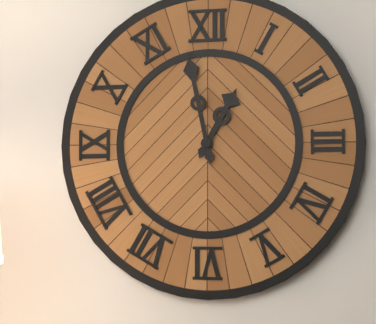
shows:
12,58
